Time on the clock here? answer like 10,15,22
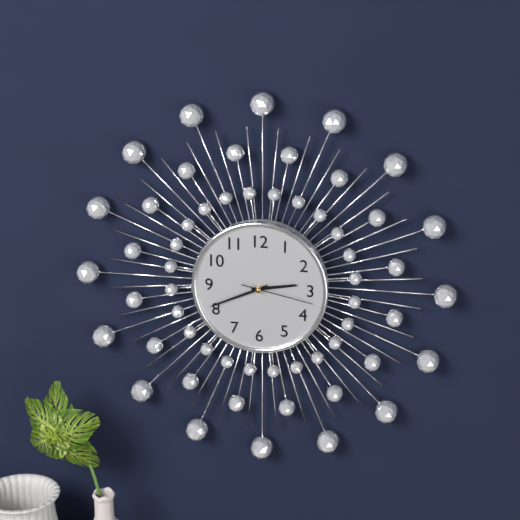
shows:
2,41,17
